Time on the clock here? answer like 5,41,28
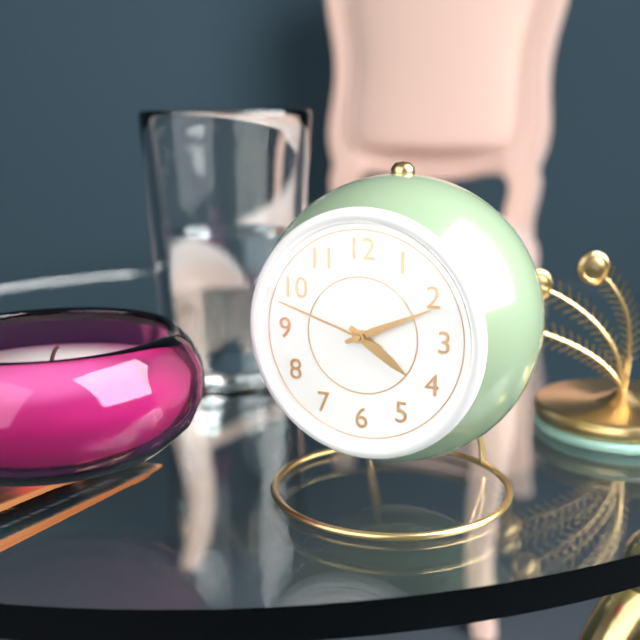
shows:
4,11,48
